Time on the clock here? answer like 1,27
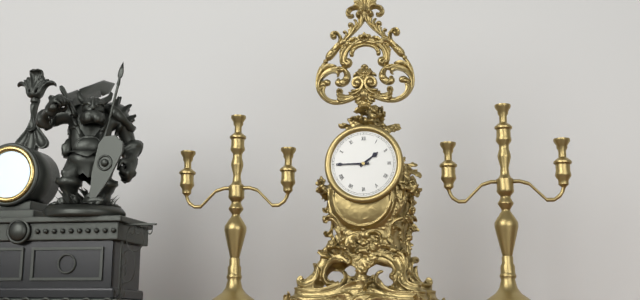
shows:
1,45
